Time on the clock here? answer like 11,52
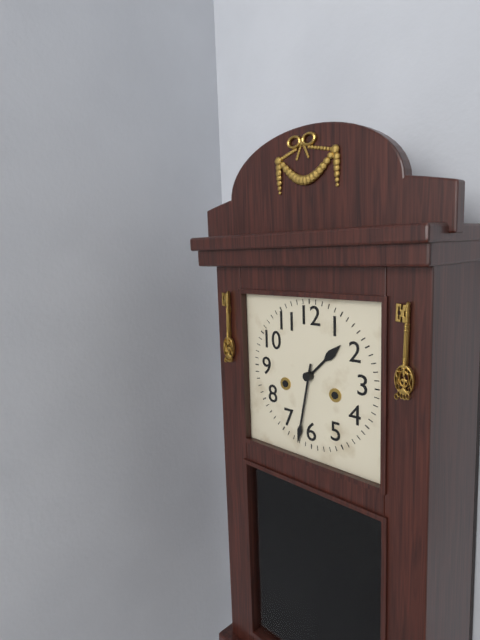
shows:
1,32
